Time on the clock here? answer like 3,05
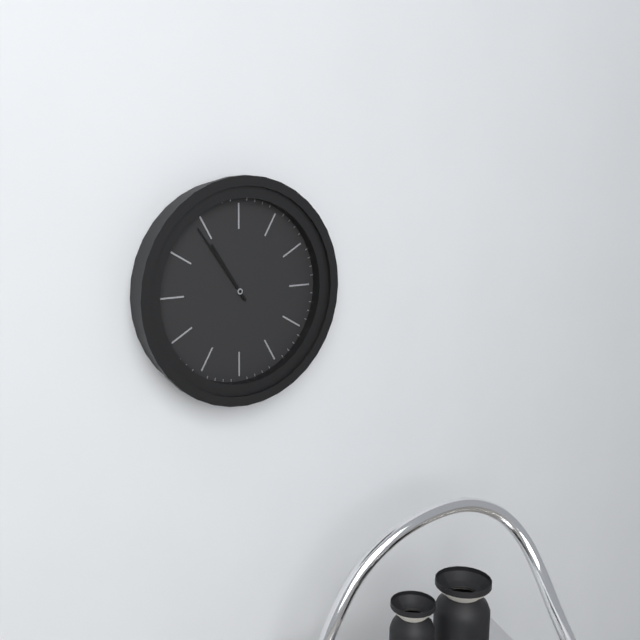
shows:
10,54
